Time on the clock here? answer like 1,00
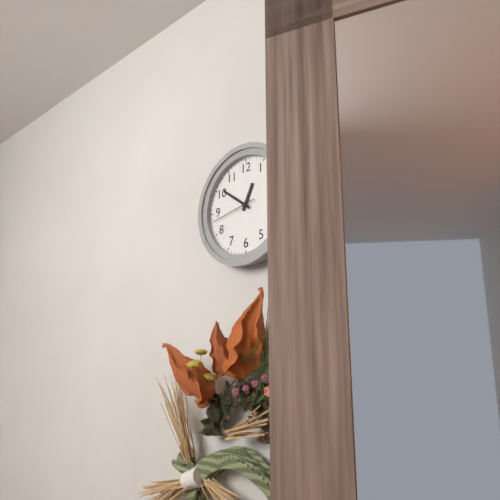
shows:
12,51
